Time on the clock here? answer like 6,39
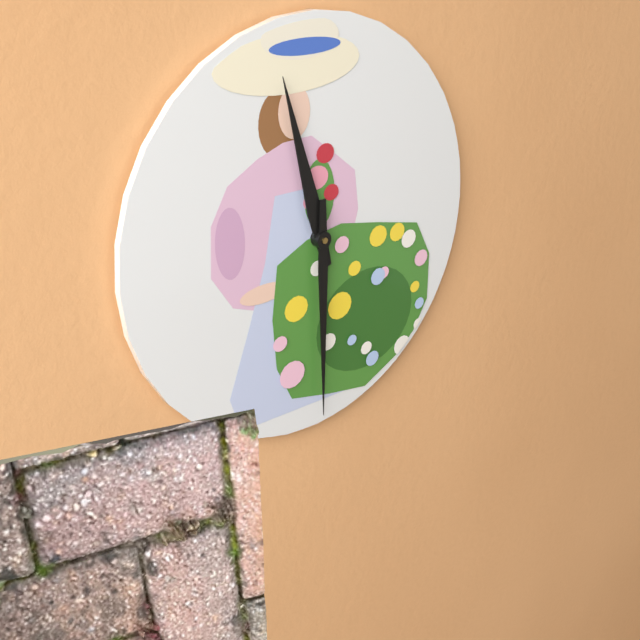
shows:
11,30
